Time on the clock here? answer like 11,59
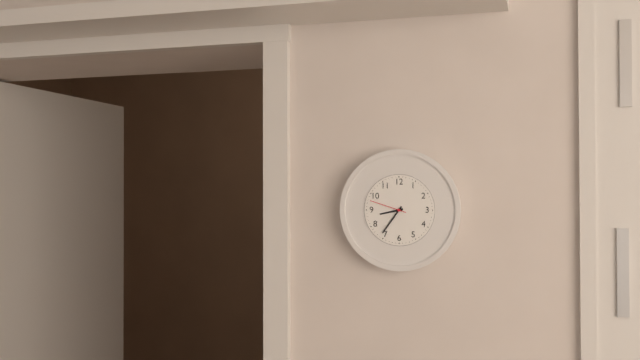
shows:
8,36
